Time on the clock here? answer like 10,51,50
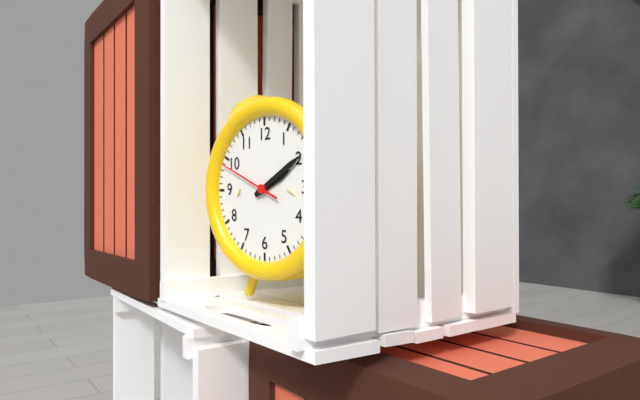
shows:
2,10,49
